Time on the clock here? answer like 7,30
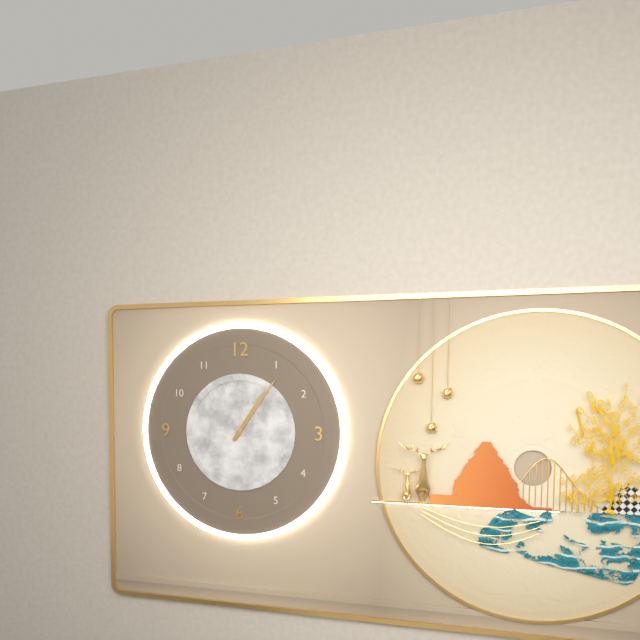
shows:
1,06
